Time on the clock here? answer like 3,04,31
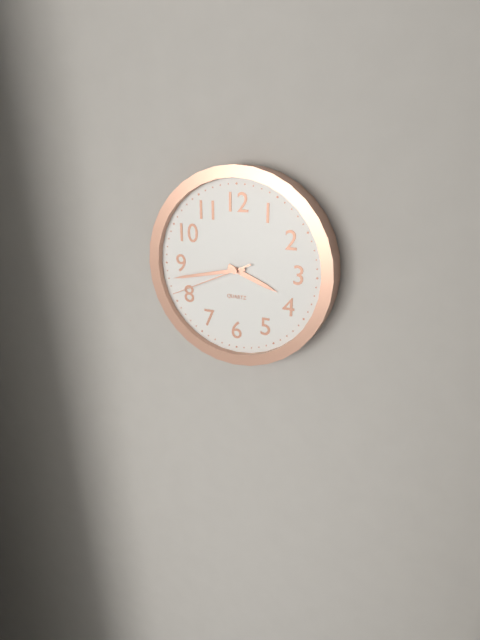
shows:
3,43,41
